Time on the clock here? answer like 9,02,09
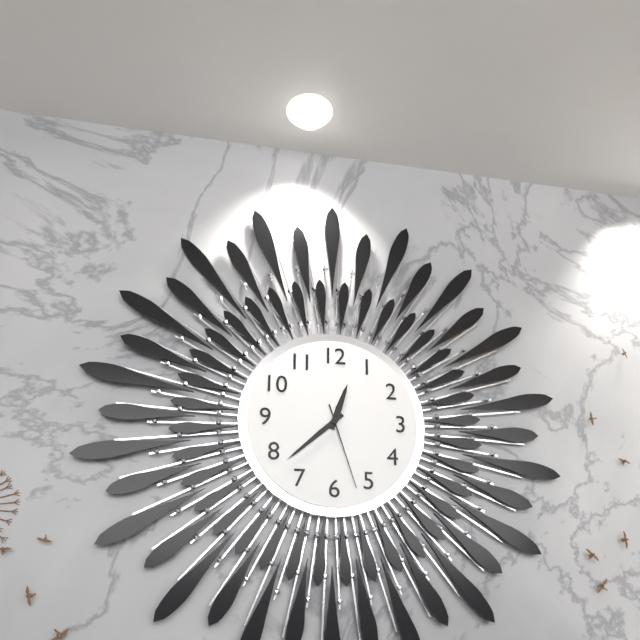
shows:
12,38,27
